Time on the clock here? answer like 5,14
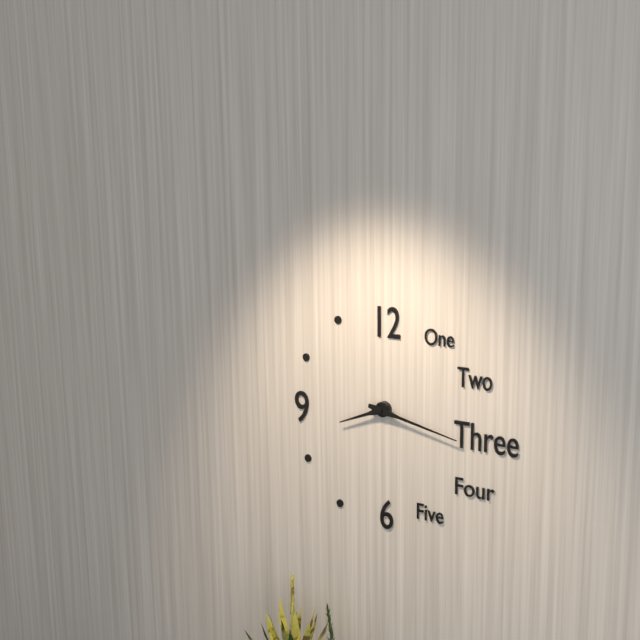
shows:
8,17
